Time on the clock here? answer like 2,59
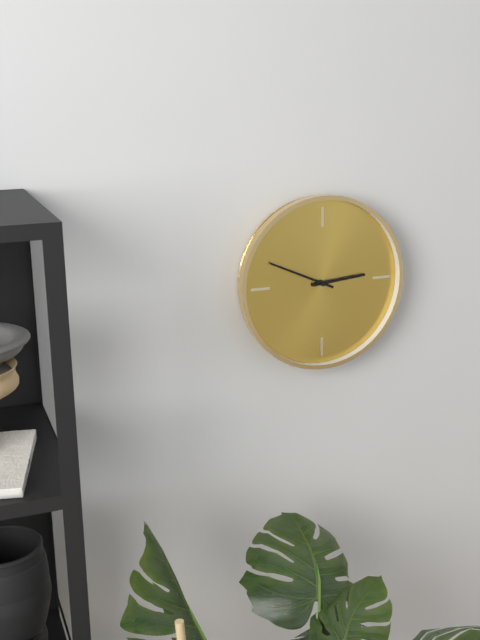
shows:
2,49
